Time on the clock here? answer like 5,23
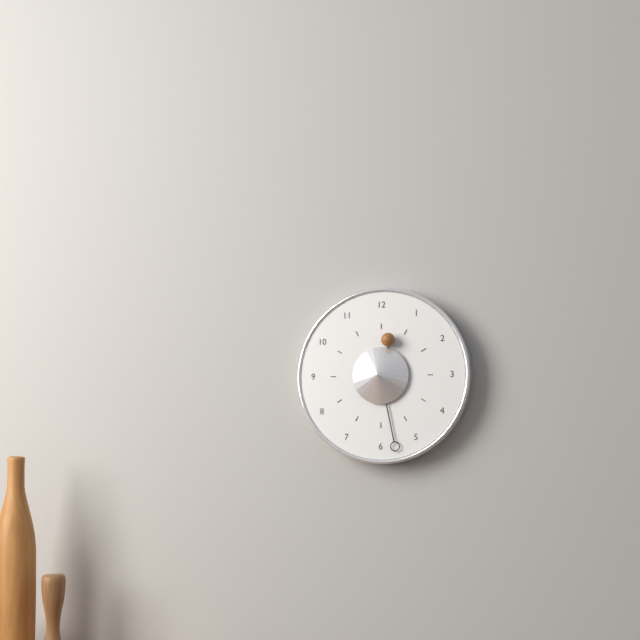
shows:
12,28
